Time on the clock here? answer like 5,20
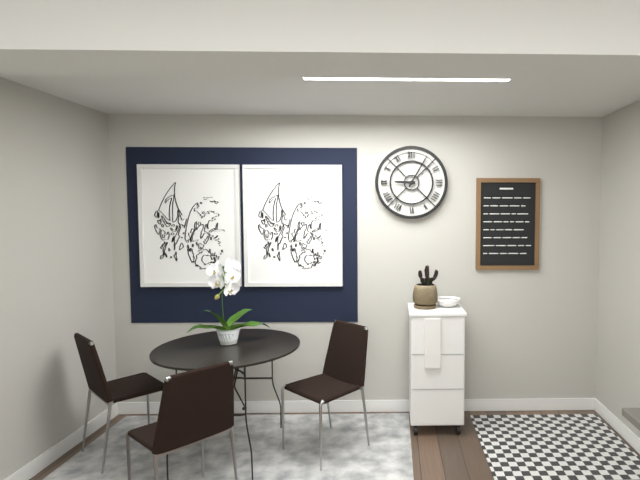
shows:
9,05
